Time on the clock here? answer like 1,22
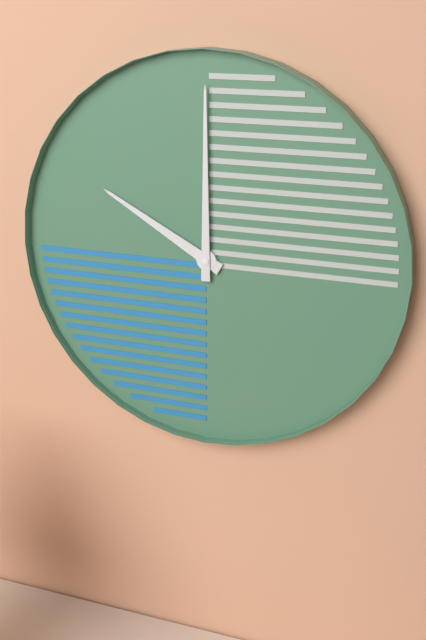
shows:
10,00
